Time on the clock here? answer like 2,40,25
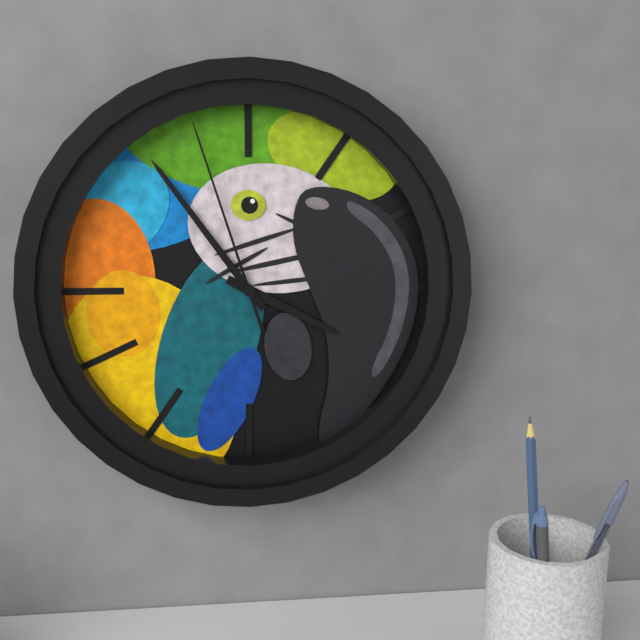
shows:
3,54,57
